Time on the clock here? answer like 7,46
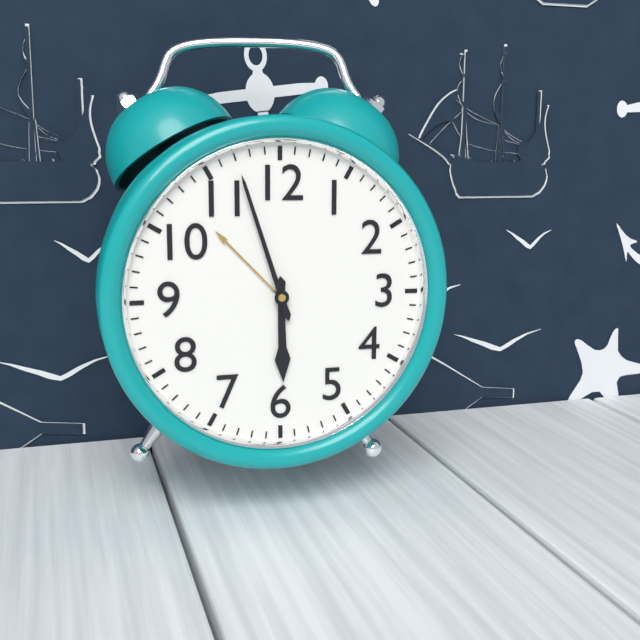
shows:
5,57
